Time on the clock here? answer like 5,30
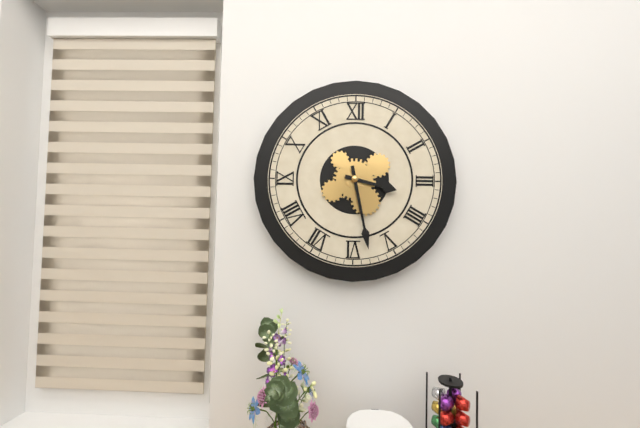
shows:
3,28
